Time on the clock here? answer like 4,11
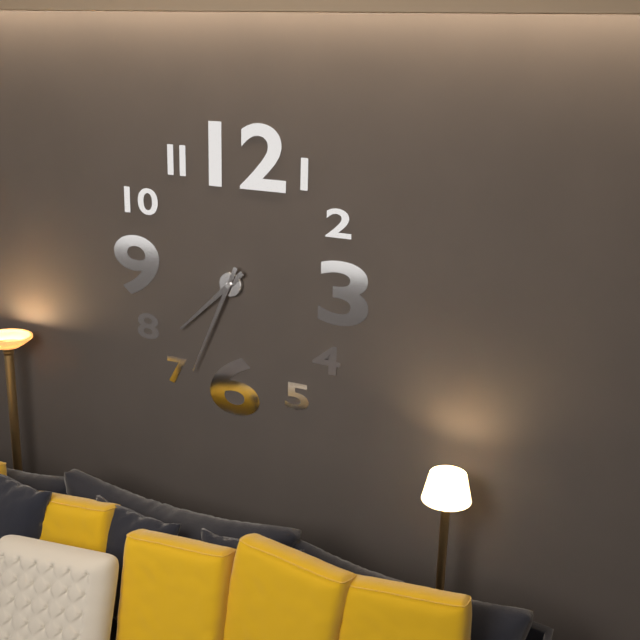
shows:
7,34
